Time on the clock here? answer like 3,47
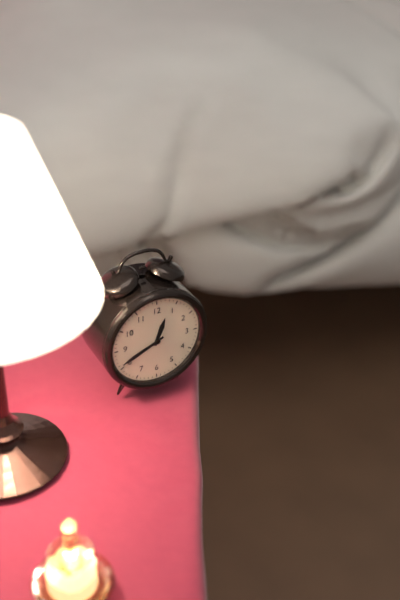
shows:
12,41
